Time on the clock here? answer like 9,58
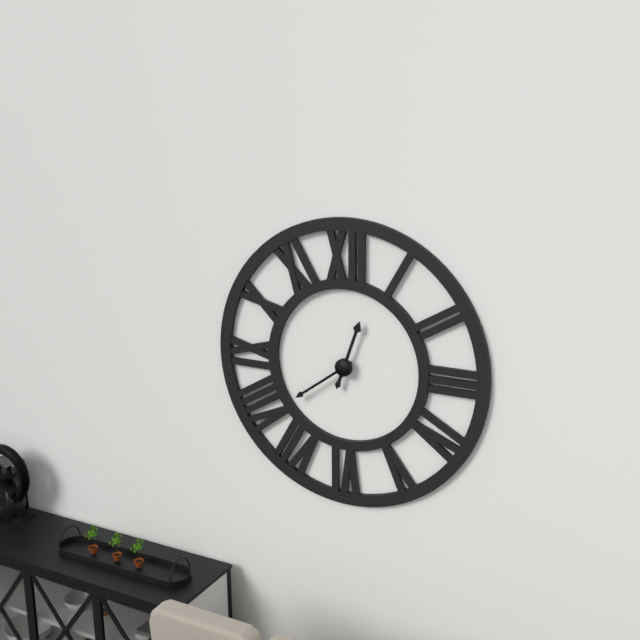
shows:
12,39
